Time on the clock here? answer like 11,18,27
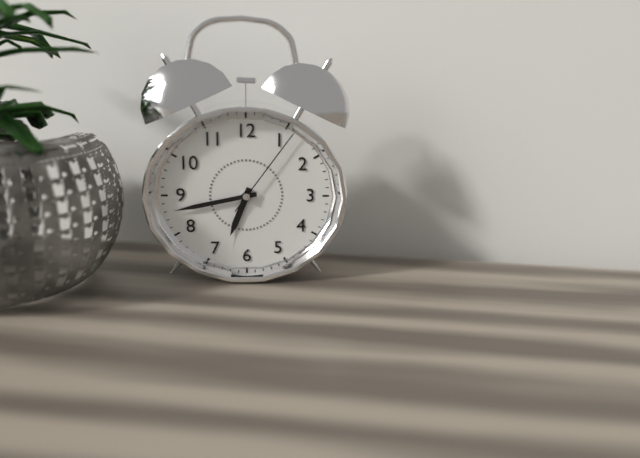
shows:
6,43,06
